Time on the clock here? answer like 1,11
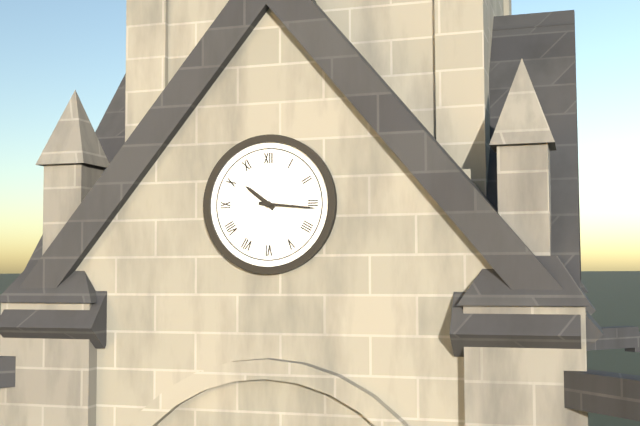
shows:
10,16
